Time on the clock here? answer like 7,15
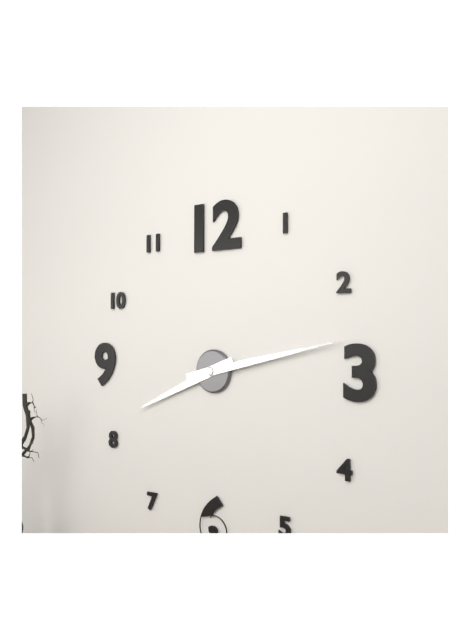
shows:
8,13
